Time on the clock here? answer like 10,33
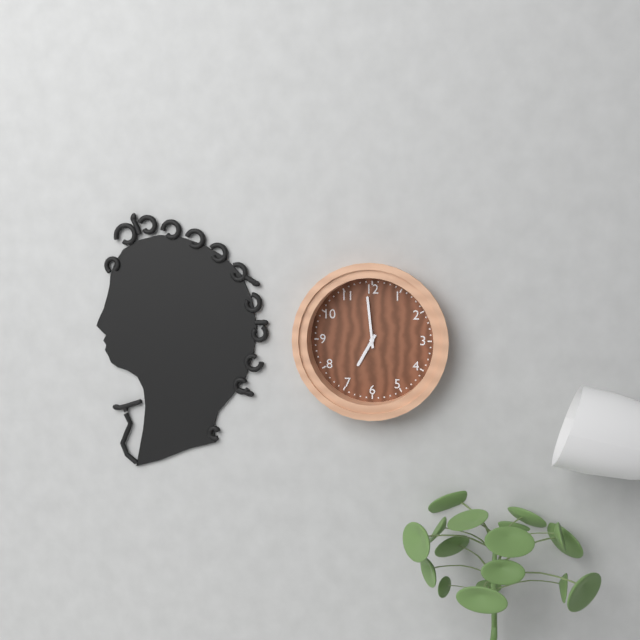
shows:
6,59
